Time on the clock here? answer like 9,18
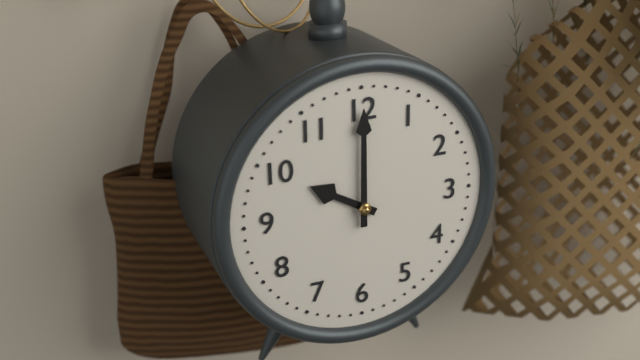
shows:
10,00
